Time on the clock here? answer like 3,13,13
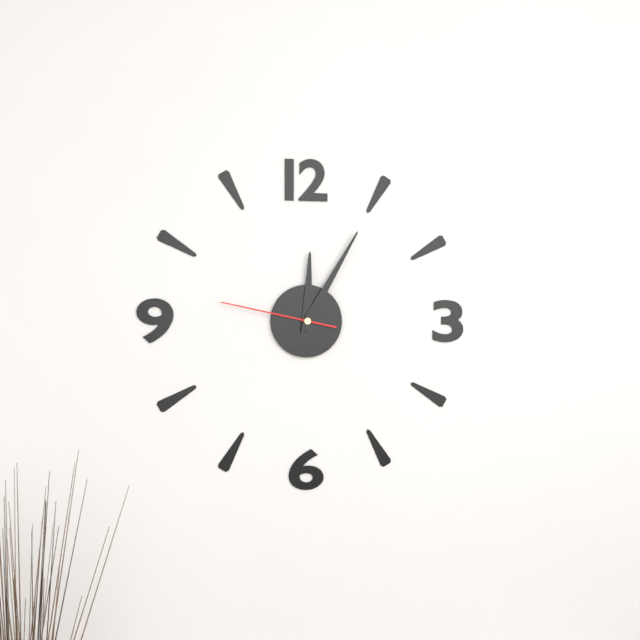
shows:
12,05,47
